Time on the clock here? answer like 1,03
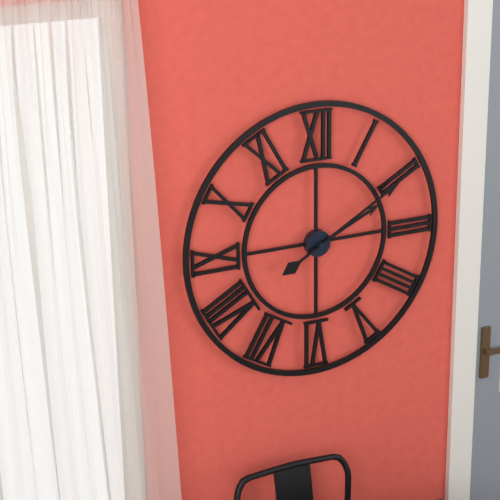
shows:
2,10
